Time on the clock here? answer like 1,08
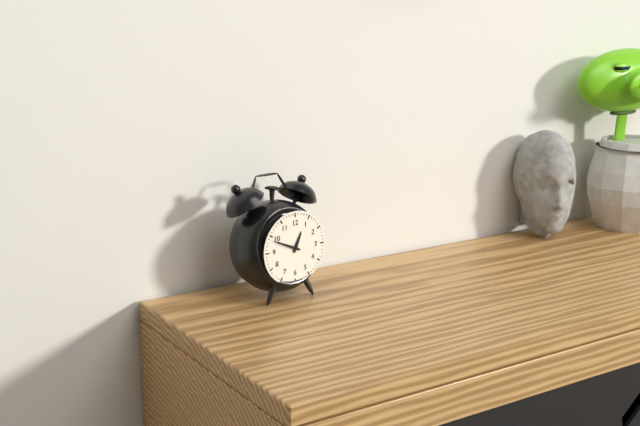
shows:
12,49
